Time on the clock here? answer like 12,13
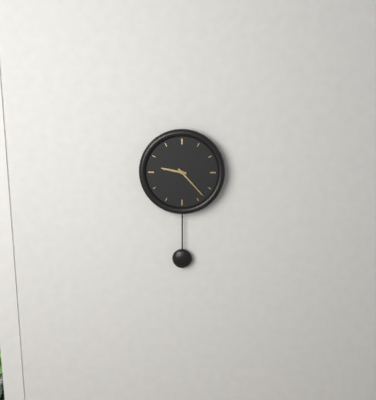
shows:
9,23
